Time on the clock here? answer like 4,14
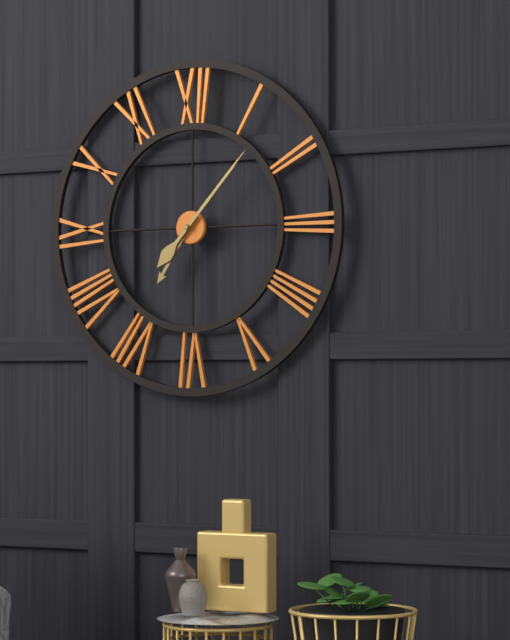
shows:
7,07
